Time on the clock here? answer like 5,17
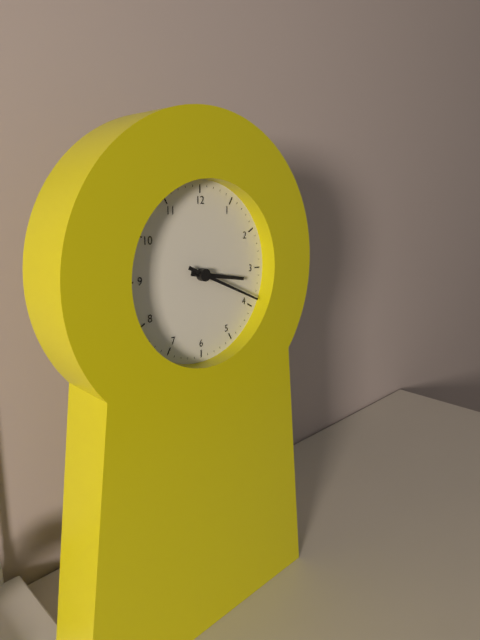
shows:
3,19
